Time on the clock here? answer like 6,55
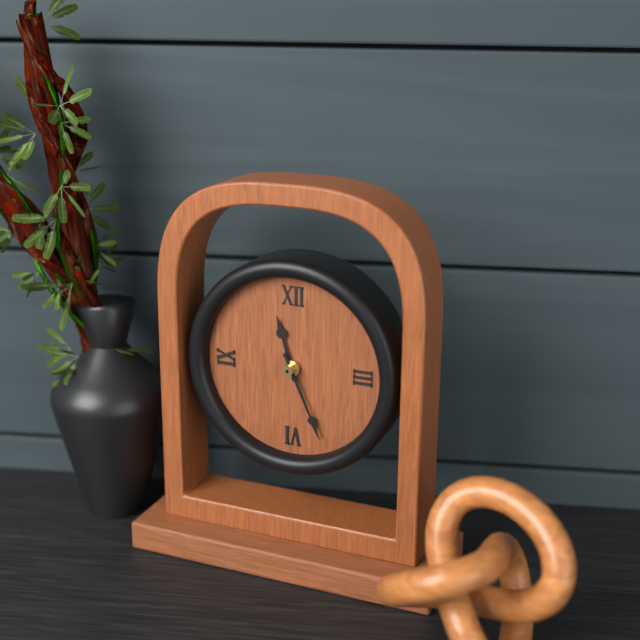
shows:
11,26
